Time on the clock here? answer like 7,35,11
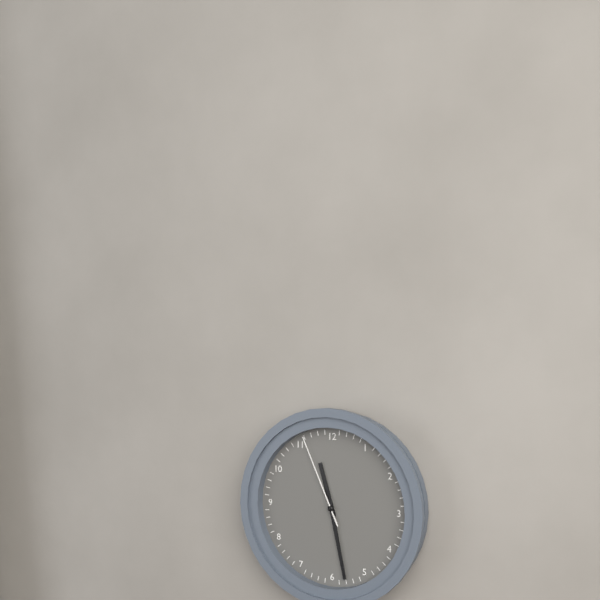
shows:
11,28,56
